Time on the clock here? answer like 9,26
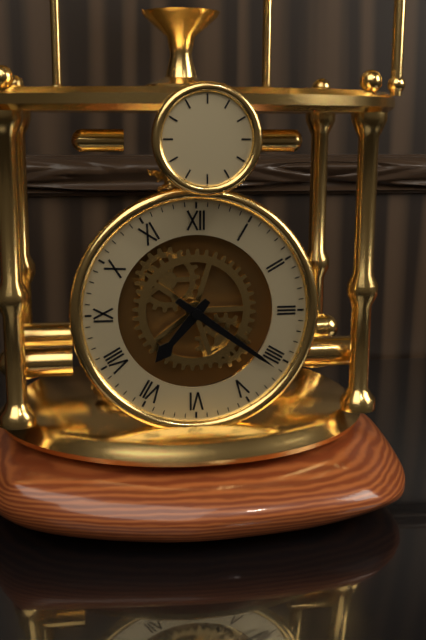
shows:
7,21
